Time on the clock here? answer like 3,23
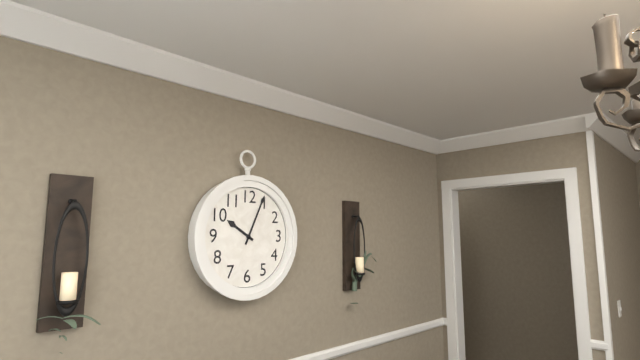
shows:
10,04
